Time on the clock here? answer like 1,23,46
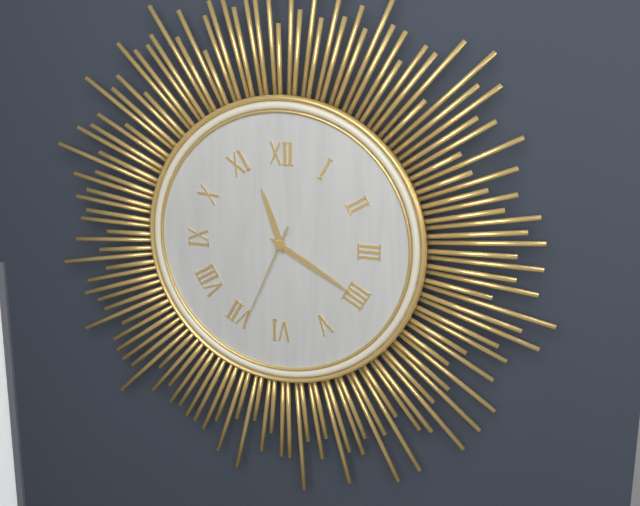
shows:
11,20,34
